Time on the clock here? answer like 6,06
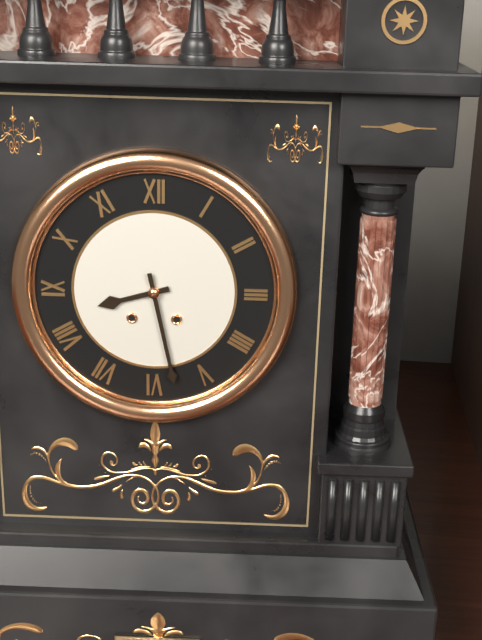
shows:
8,28
